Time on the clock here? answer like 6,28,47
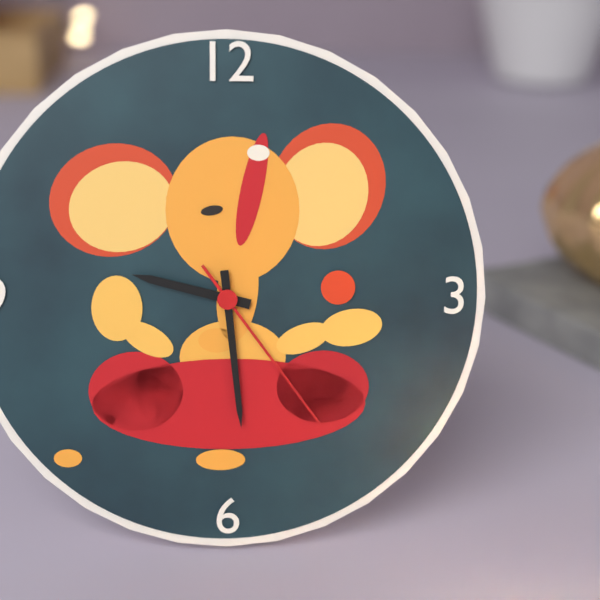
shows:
9,29,24
